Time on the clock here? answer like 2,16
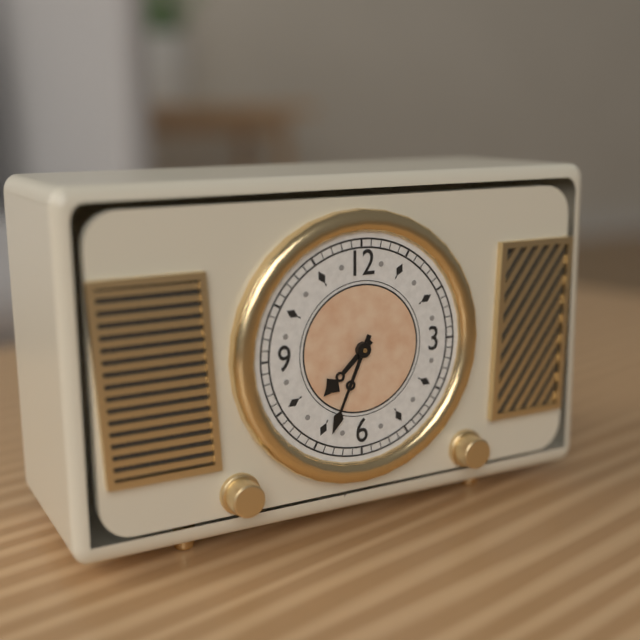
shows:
7,34
